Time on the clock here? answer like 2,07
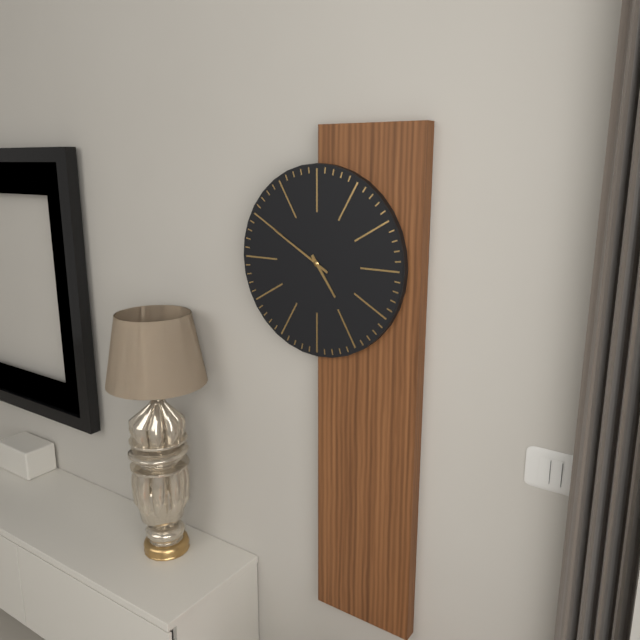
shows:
4,50
